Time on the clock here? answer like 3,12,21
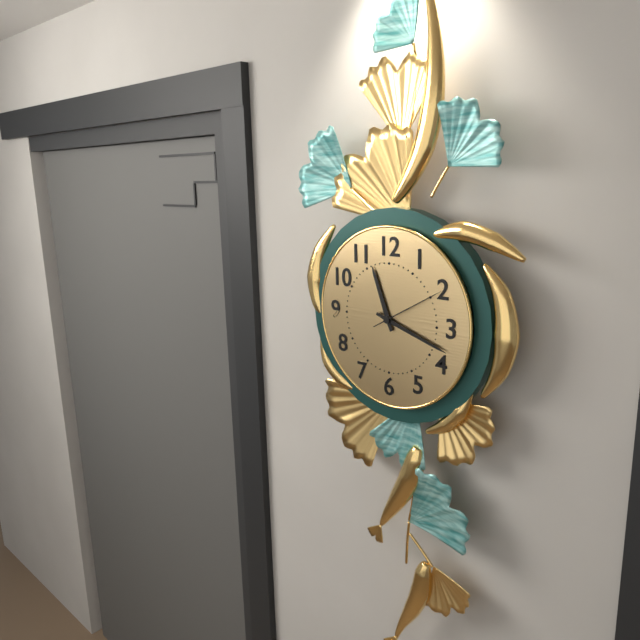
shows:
11,18,10
